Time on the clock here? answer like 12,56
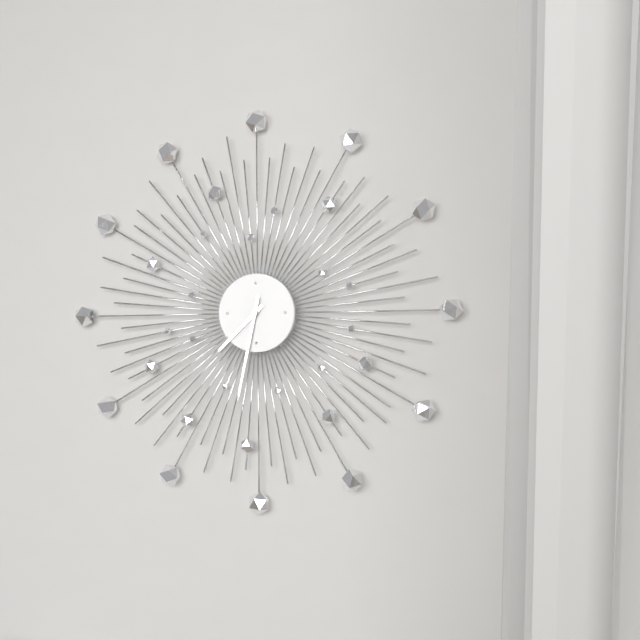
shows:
7,32
